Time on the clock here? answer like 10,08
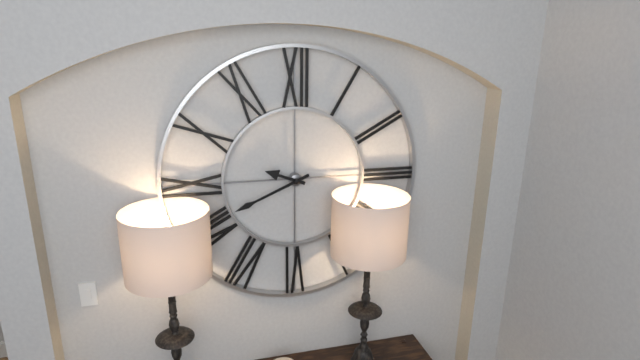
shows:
9,41
